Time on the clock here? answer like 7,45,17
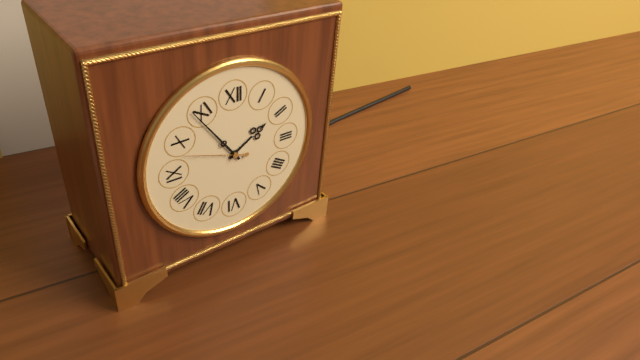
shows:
1,54,48
